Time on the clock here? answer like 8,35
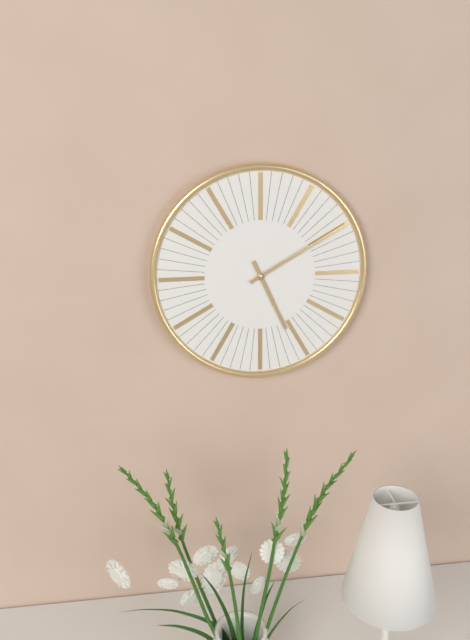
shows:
5,10
